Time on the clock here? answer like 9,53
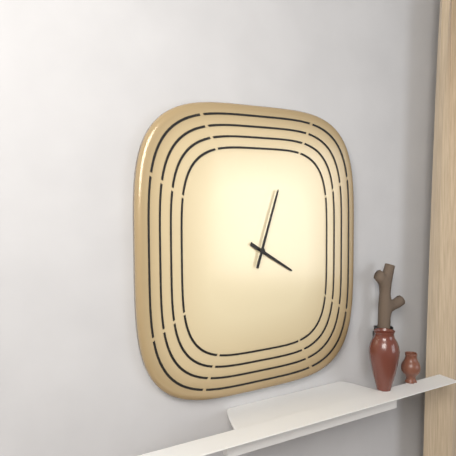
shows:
4,03
